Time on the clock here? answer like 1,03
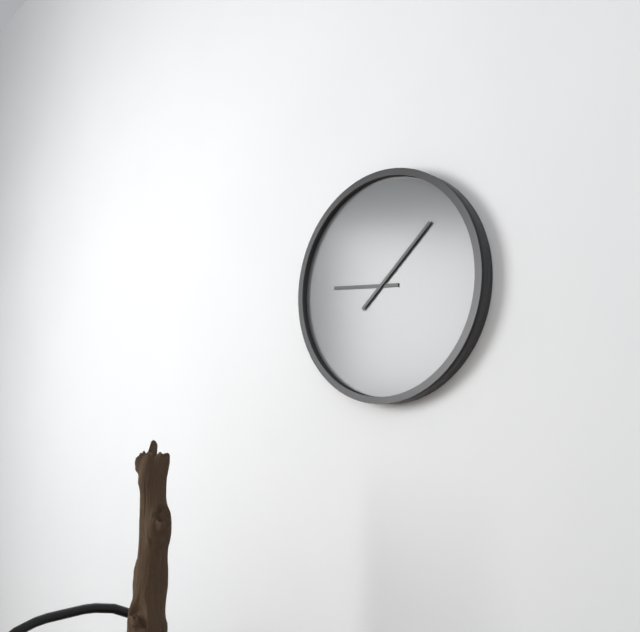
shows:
9,08
